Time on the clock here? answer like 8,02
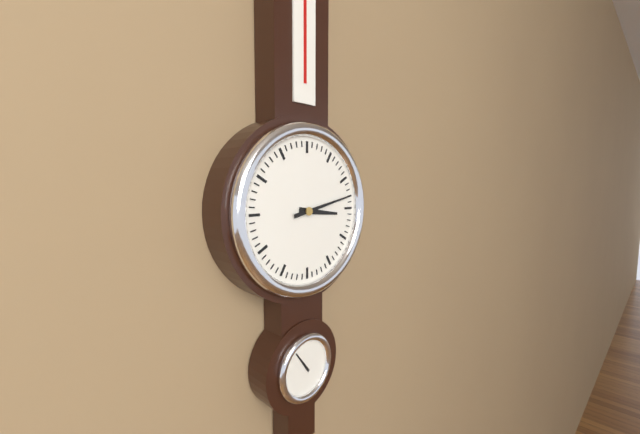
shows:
3,13
